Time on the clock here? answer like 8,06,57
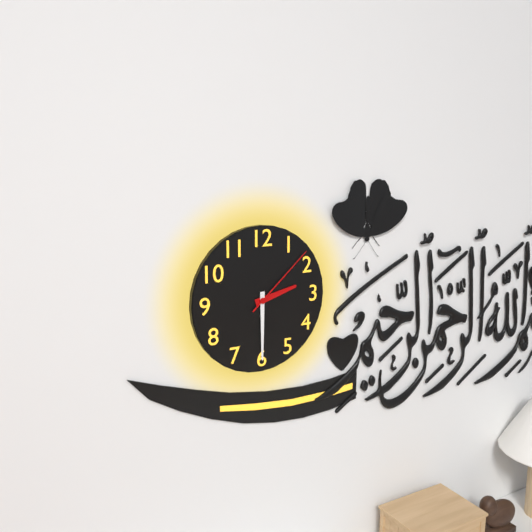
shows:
2,30,08
